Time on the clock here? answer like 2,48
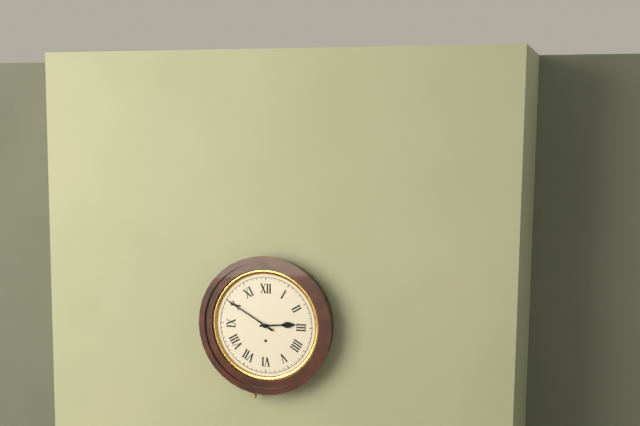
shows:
2,50
